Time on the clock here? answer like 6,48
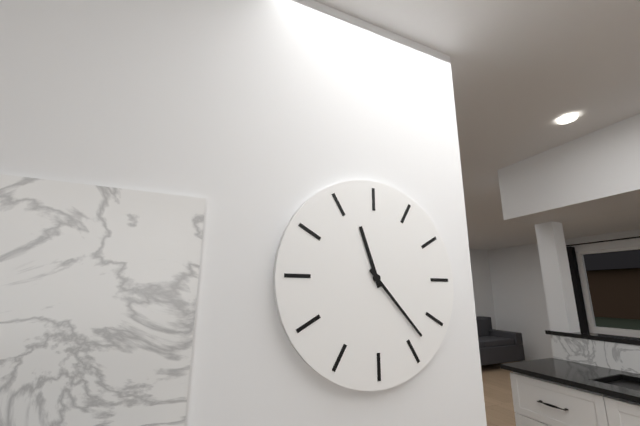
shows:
11,23
